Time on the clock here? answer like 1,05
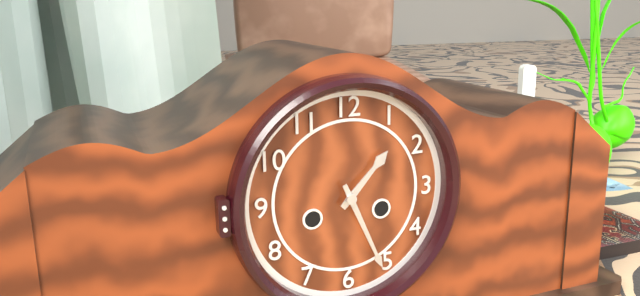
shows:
1,26
